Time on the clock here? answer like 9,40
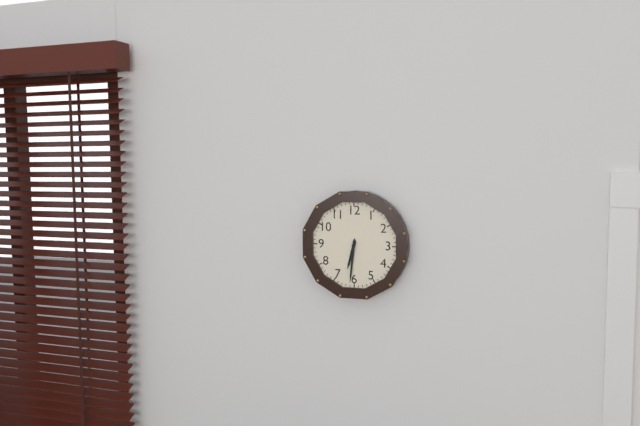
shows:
6,31
